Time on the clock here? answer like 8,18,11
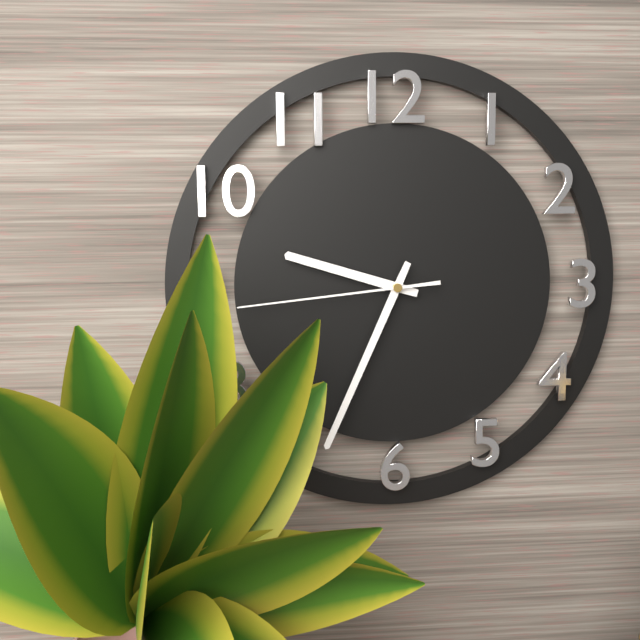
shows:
9,34,44
